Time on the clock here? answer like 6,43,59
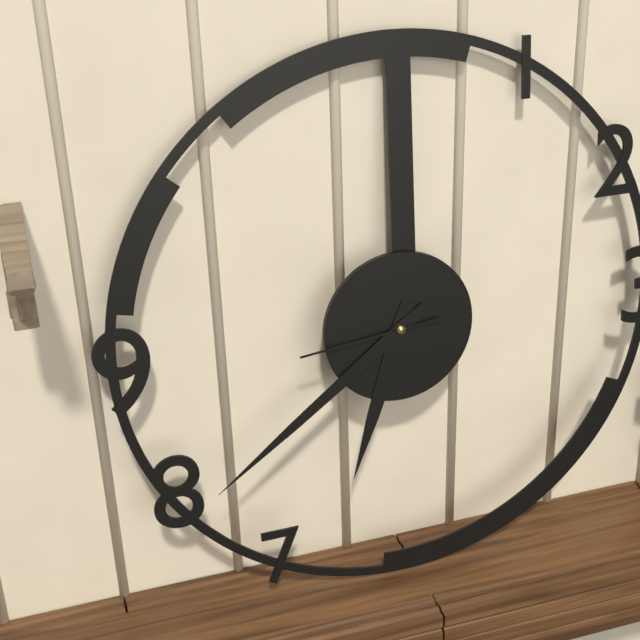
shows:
6,39,44
